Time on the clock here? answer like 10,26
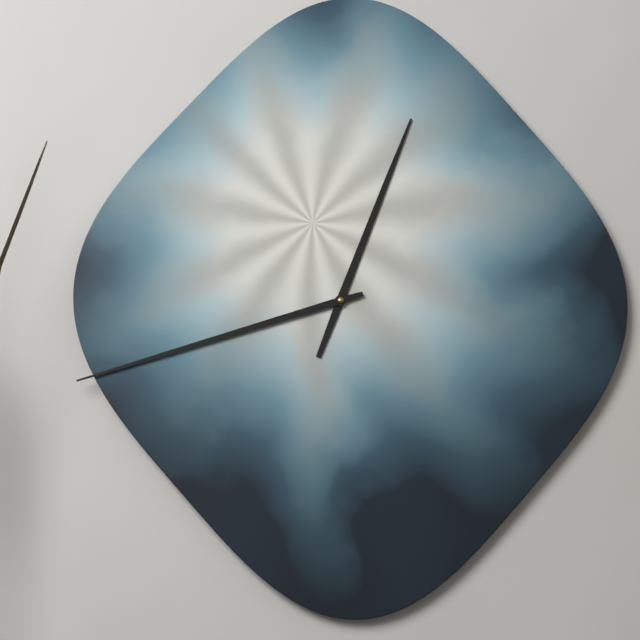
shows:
12,42
